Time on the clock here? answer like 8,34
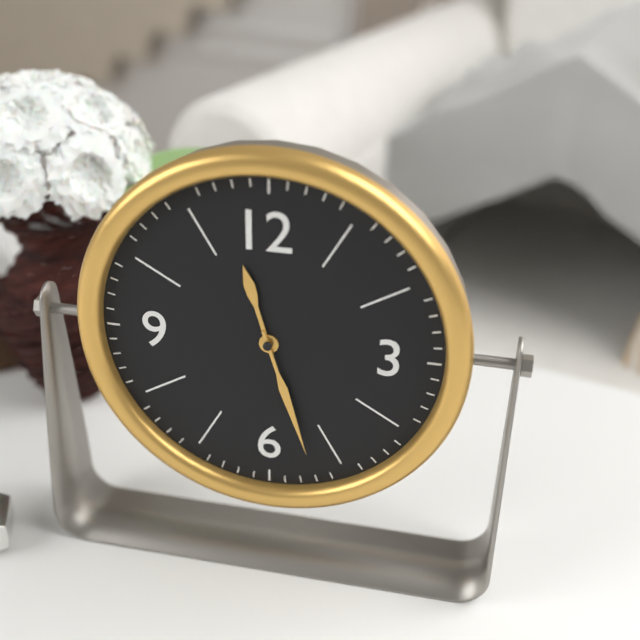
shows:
11,27
